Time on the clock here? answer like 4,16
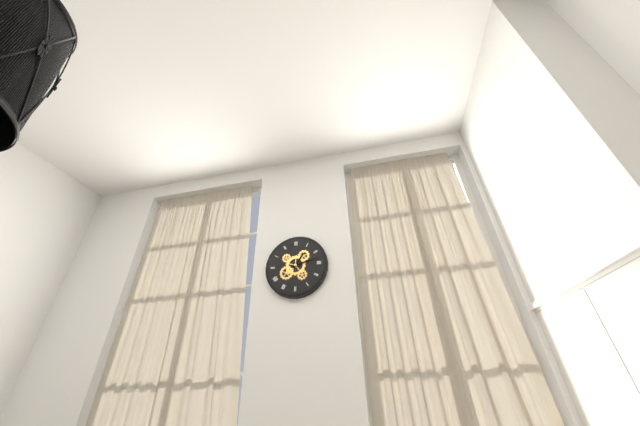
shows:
1,13
